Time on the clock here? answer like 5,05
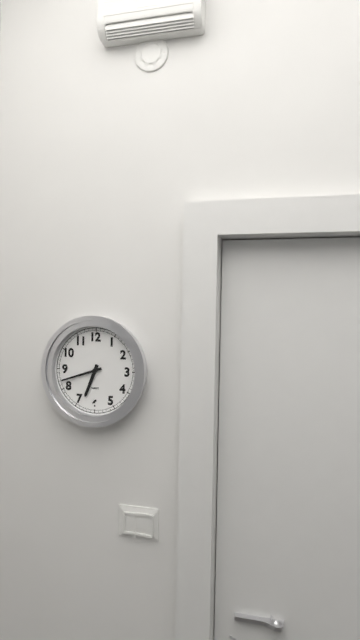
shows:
6,42
